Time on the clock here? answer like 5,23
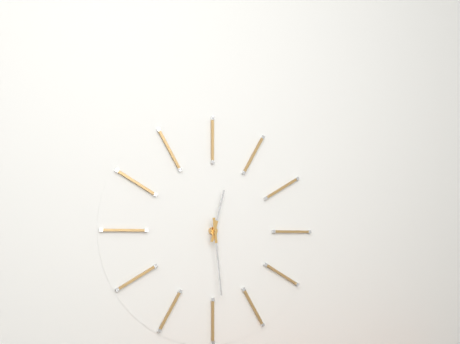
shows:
12,29
